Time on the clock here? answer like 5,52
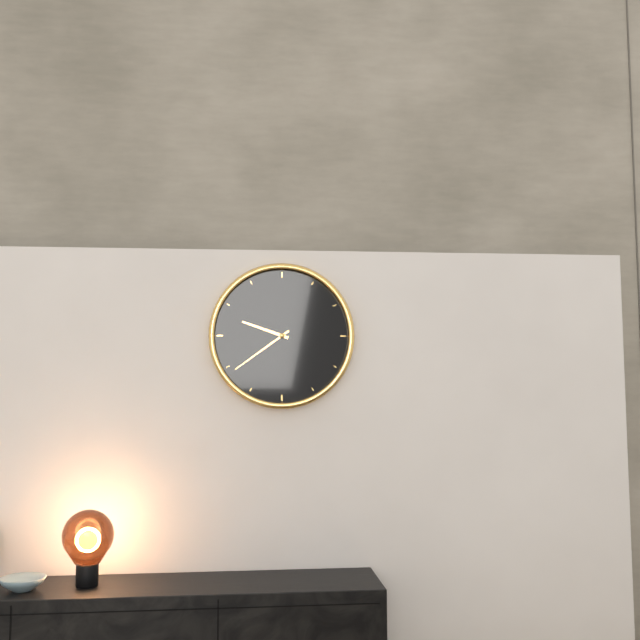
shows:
9,39
